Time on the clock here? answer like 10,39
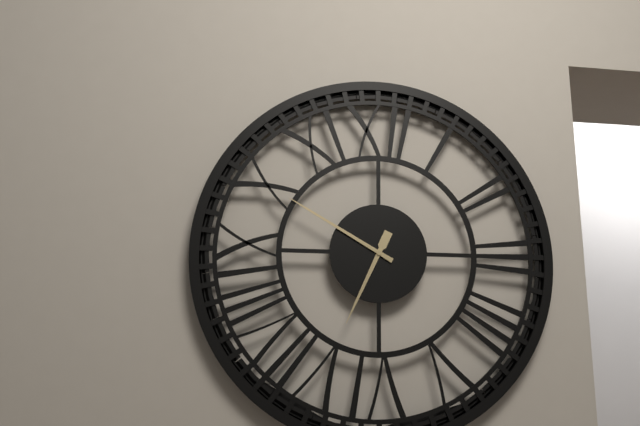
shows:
6,50
